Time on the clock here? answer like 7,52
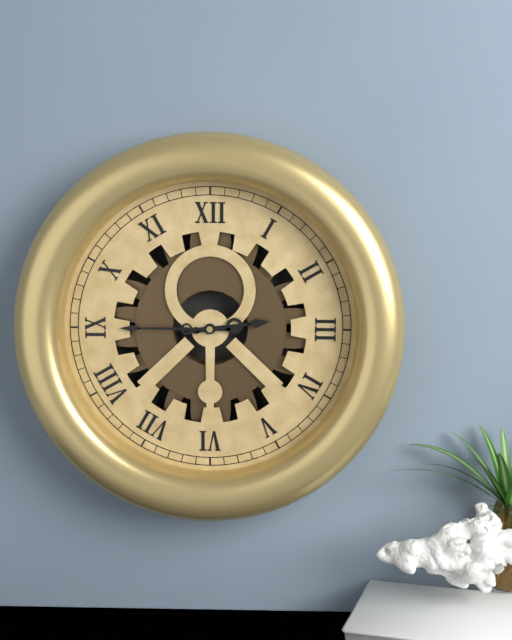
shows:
2,45
